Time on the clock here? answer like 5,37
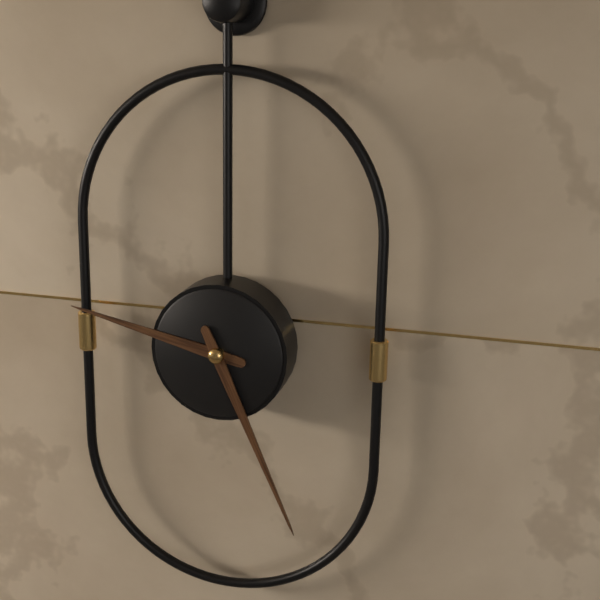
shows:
9,26
